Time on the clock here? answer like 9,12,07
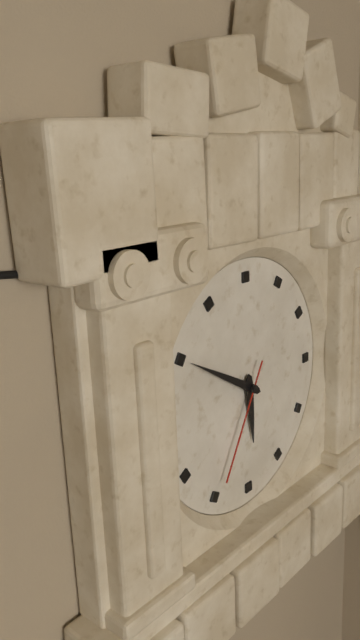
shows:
5,50,35
